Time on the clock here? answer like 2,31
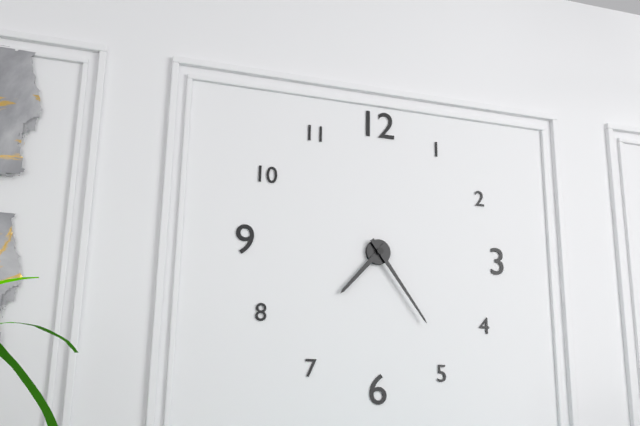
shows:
7,24
